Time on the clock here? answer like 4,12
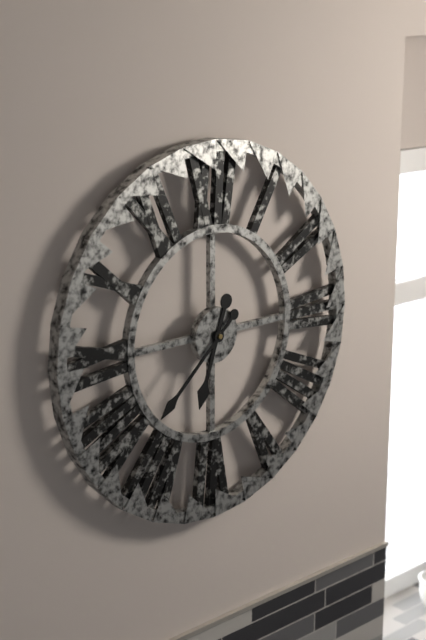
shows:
6,38
